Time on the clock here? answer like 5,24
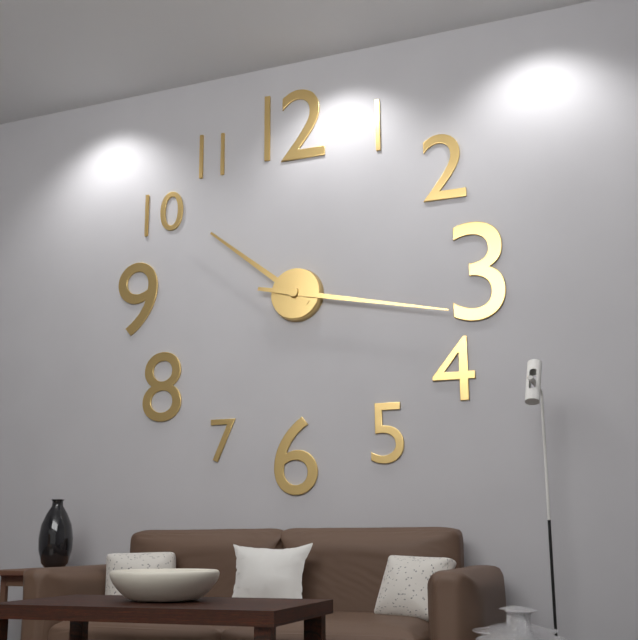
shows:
10,17
